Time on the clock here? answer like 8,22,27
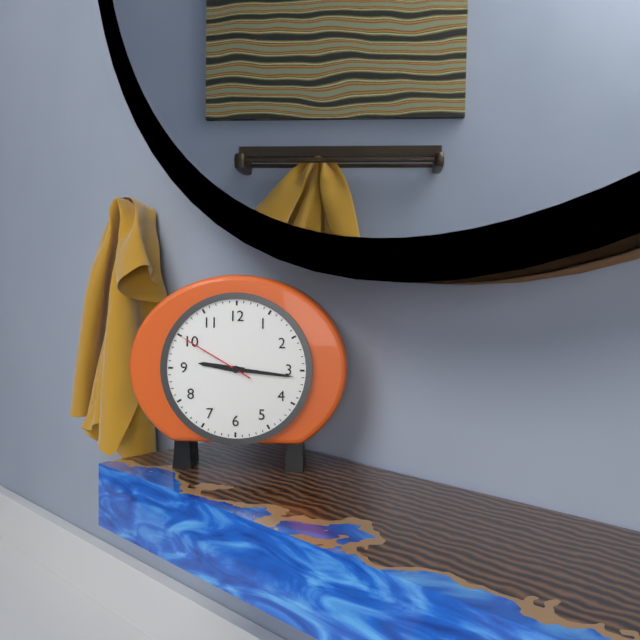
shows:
9,16,50
